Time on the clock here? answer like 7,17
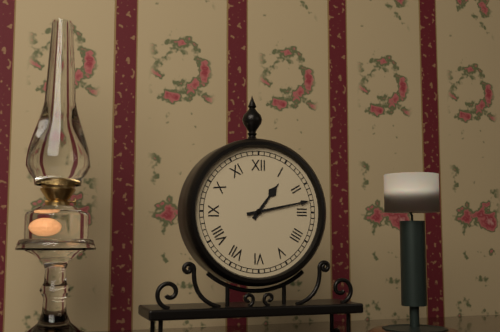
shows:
1,13
